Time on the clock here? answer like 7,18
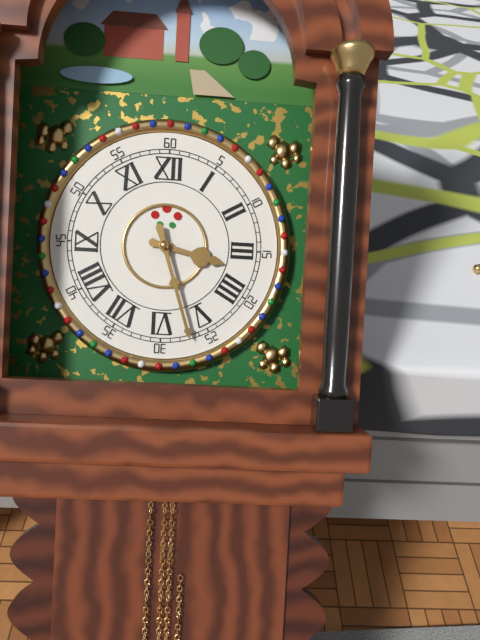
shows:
3,27
